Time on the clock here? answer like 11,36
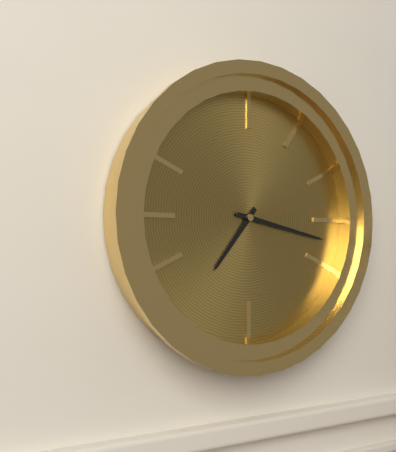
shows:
7,17
